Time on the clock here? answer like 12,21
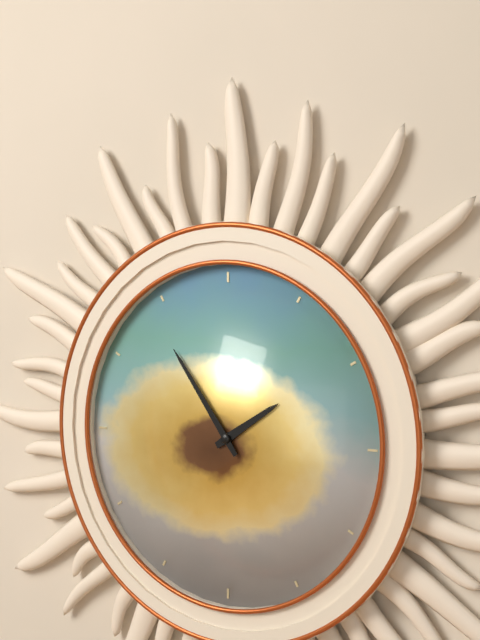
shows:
1,54
